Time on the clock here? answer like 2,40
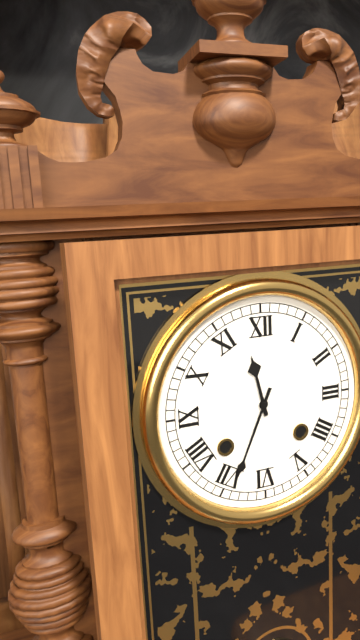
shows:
11,34
